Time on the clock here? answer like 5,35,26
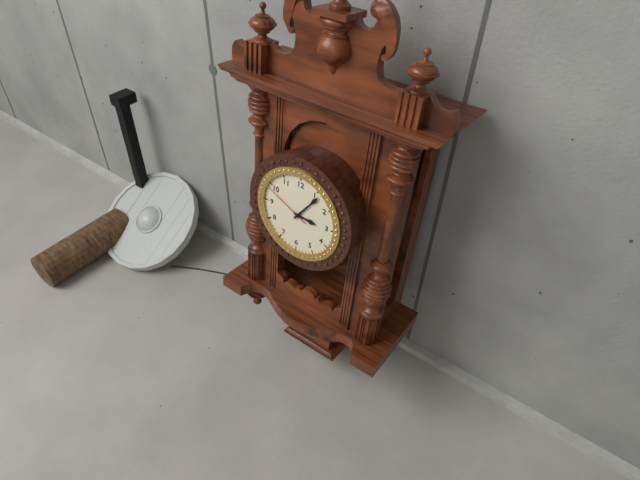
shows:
3,06,49
